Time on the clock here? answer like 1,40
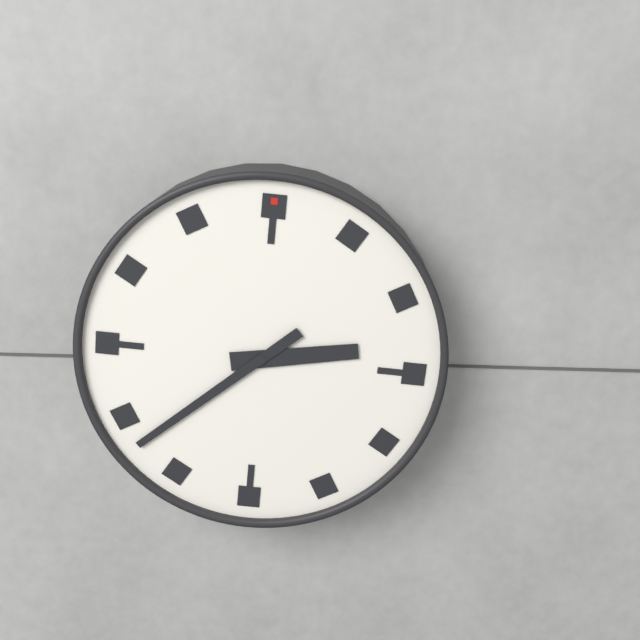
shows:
2,38
